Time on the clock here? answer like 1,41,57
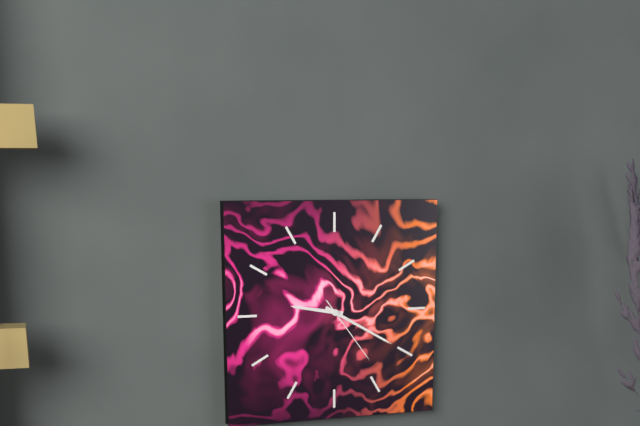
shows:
9,20,24
